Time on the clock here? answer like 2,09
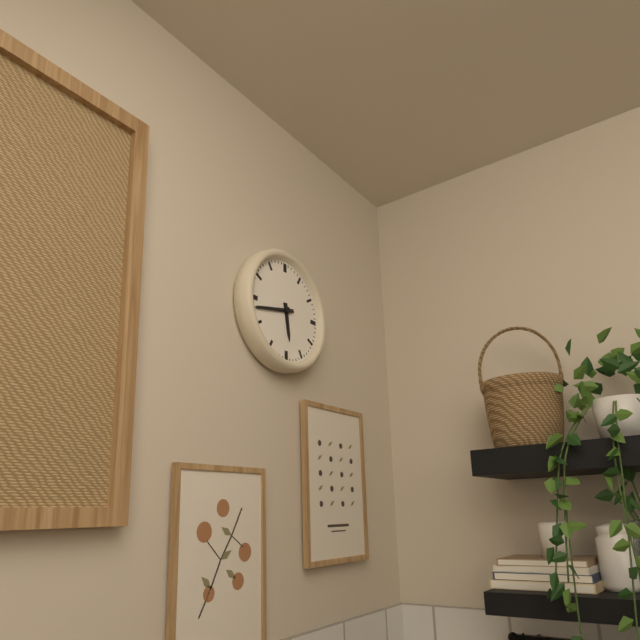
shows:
5,43
